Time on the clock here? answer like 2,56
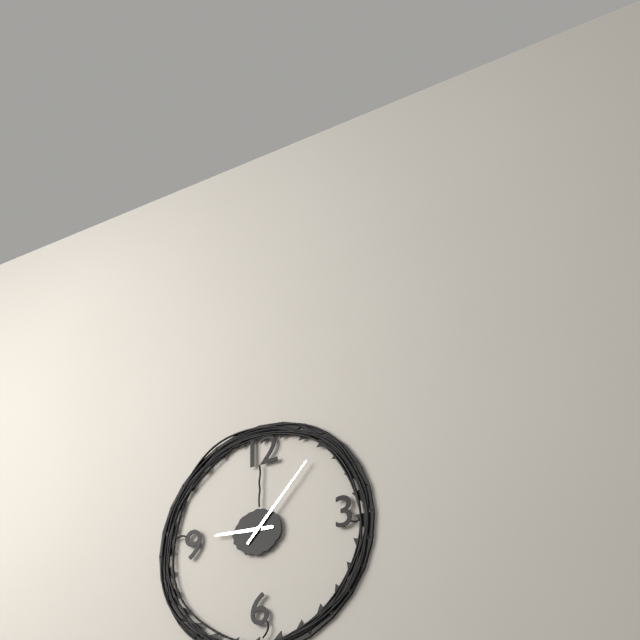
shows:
9,07
